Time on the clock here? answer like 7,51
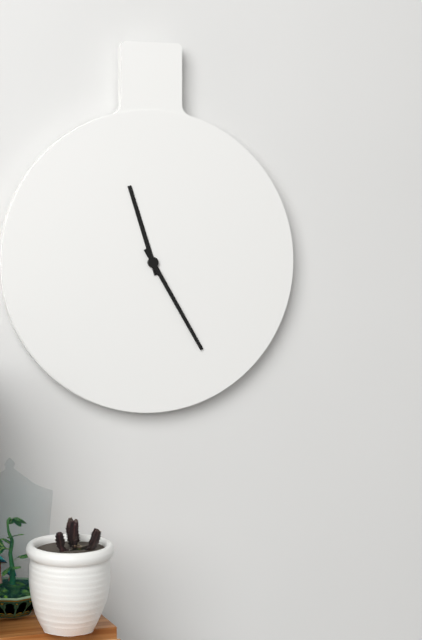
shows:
11,25
